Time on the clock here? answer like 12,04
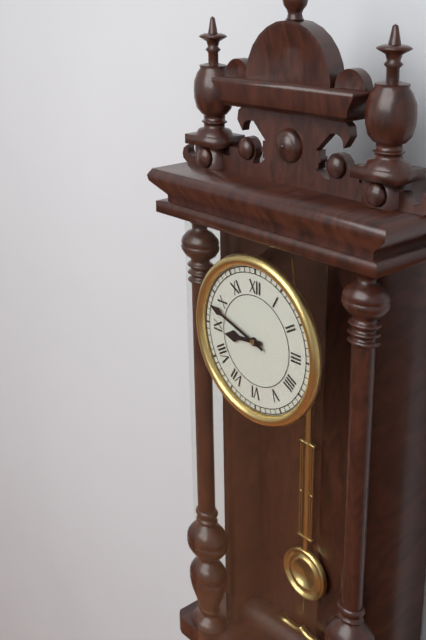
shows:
8,48
